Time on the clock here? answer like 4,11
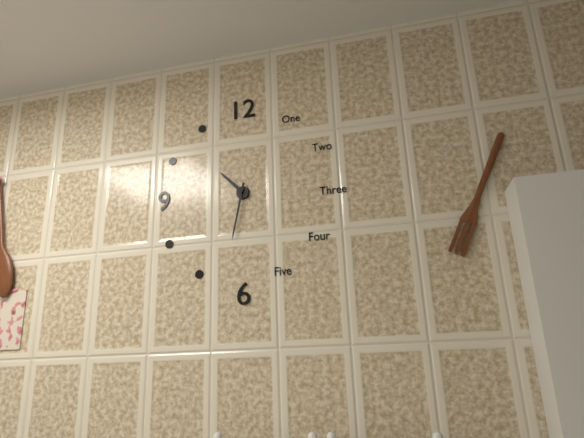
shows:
10,32
